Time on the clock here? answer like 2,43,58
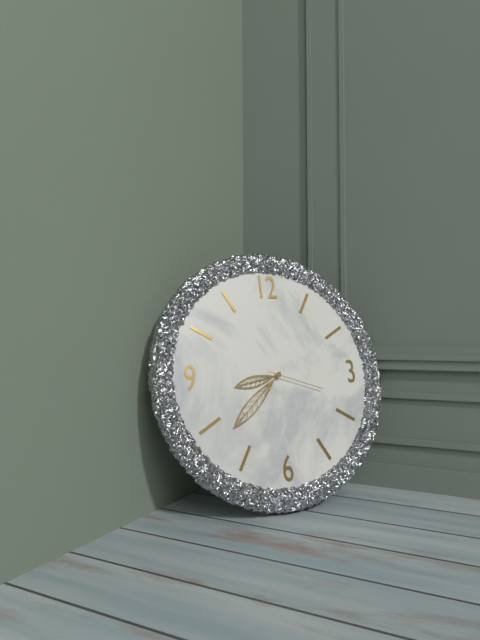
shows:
8,38,18
